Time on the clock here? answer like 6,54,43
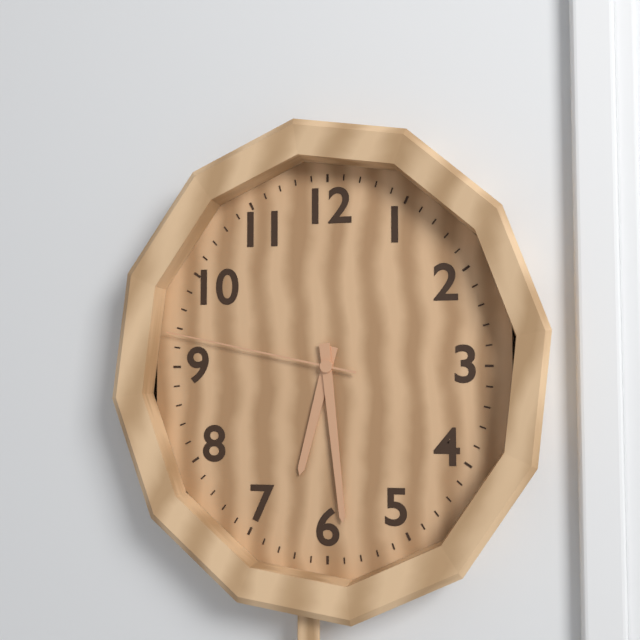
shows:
6,29,47
